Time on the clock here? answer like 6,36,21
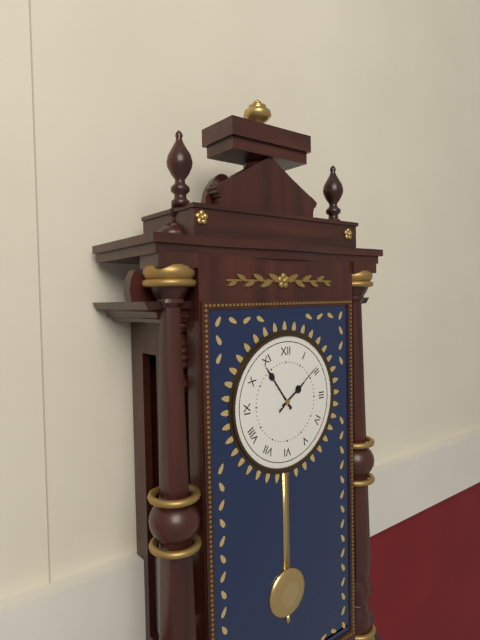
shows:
1,54,09
